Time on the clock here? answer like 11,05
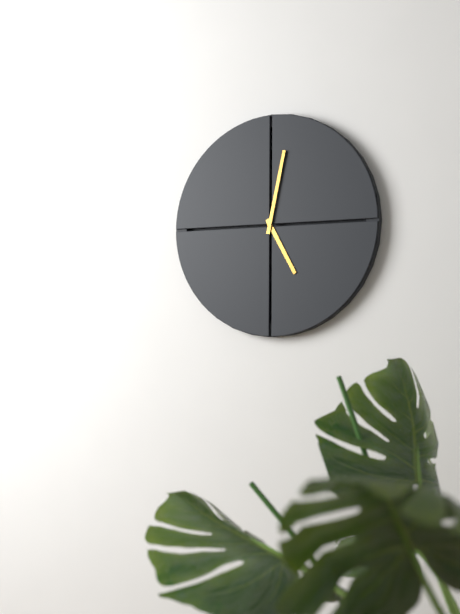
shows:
5,02
